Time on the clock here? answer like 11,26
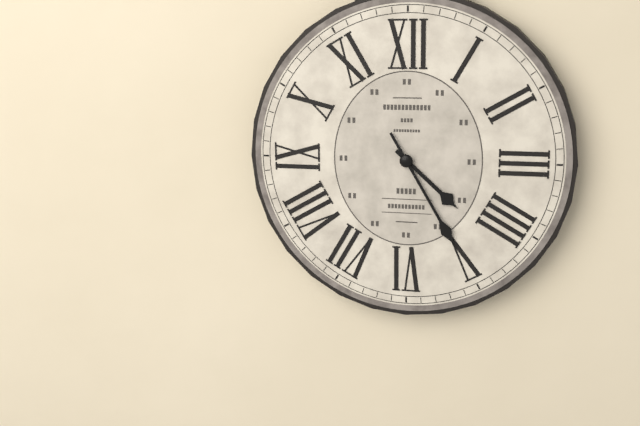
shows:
4,25
